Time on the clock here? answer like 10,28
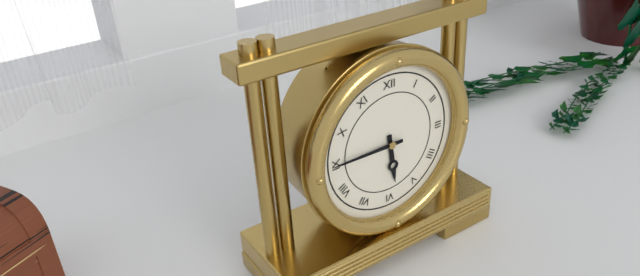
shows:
5,45
